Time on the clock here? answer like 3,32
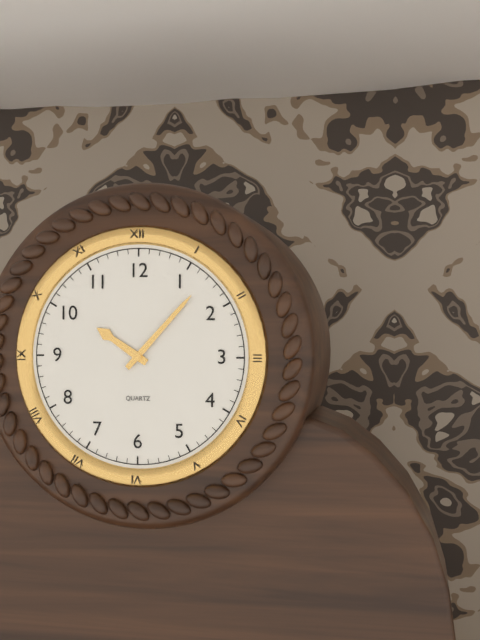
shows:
10,07
